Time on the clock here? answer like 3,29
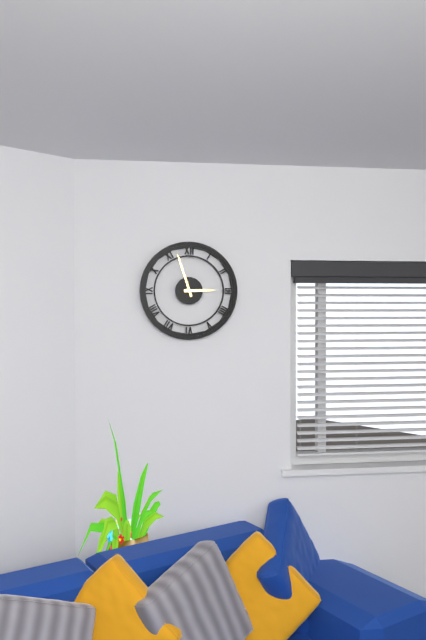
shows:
2,57
